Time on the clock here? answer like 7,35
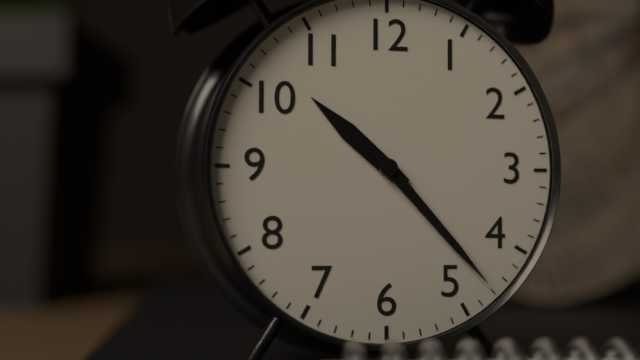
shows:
10,23
